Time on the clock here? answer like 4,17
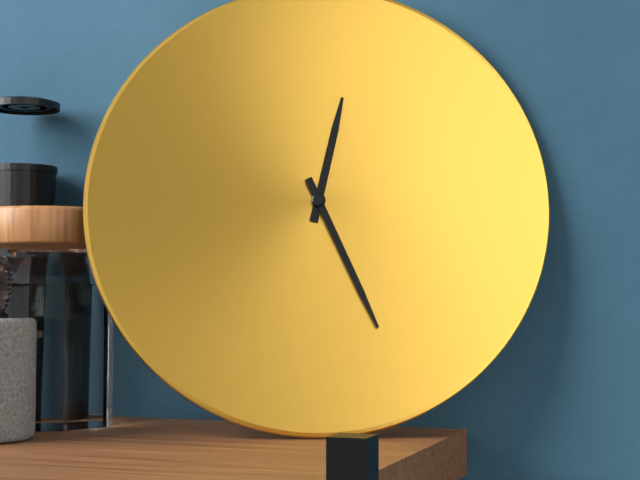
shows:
12,26
